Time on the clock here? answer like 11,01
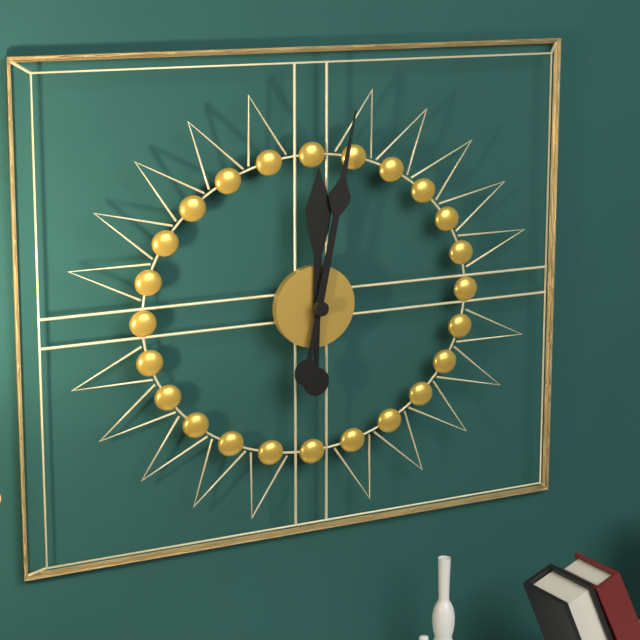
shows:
12,02
